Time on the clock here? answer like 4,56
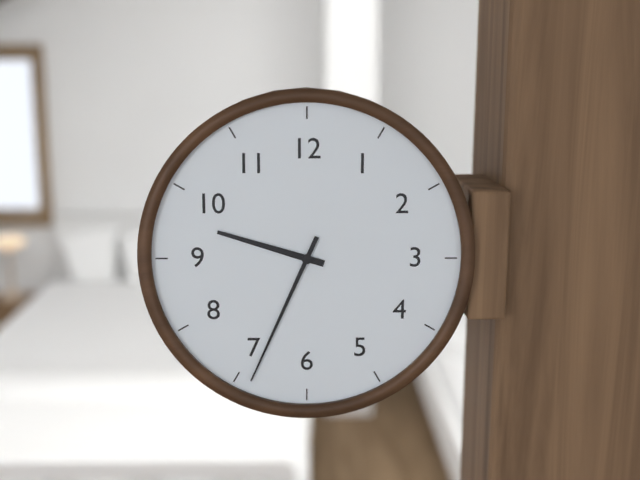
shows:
9,34
